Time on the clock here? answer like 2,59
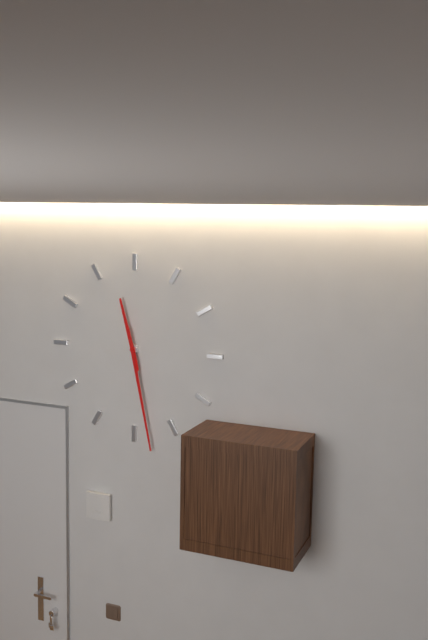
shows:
11,28
